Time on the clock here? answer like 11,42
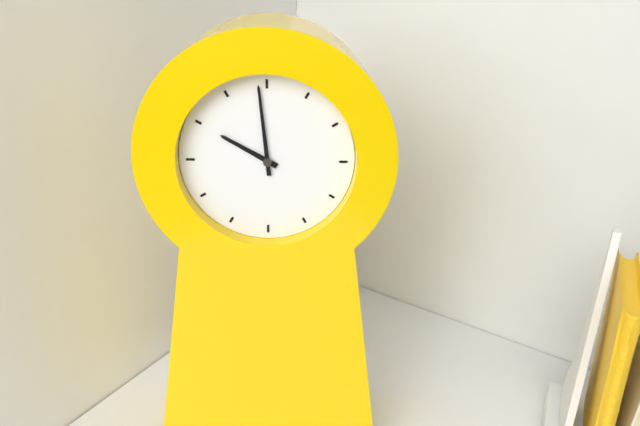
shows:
9,59
